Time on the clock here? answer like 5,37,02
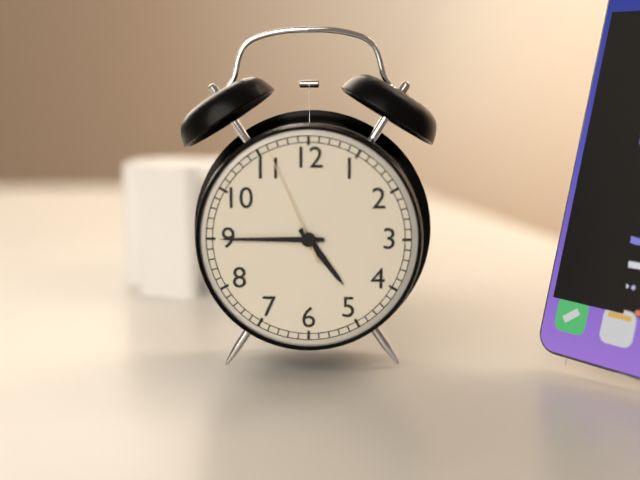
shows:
4,45,56
